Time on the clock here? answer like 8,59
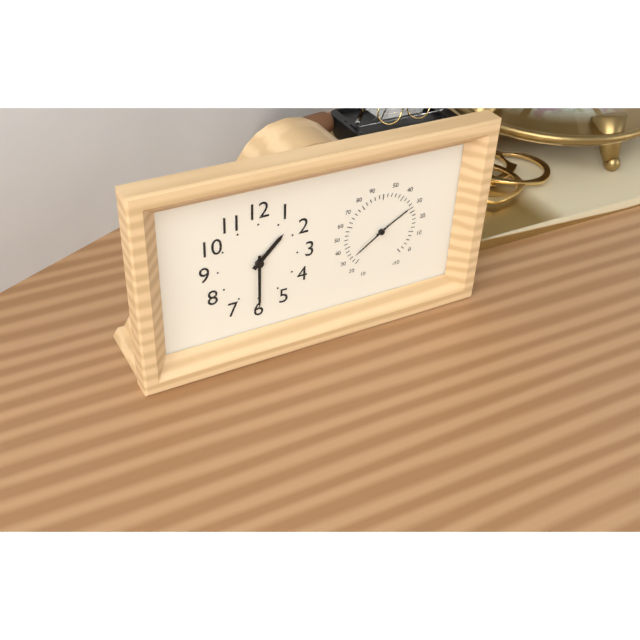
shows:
1,30
